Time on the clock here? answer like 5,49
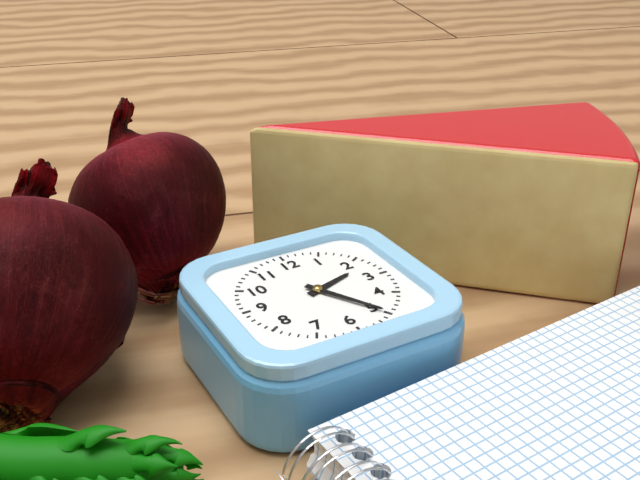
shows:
2,25
